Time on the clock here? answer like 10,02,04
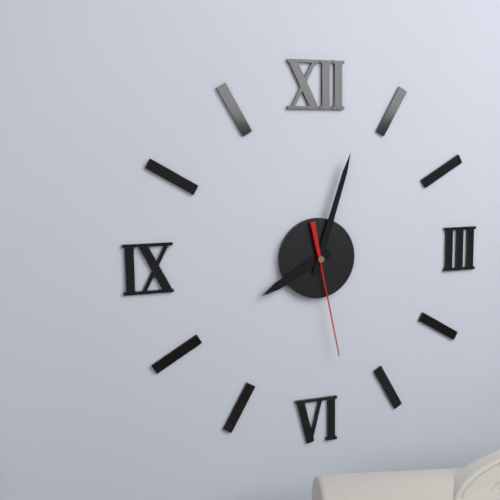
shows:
8,03,28
